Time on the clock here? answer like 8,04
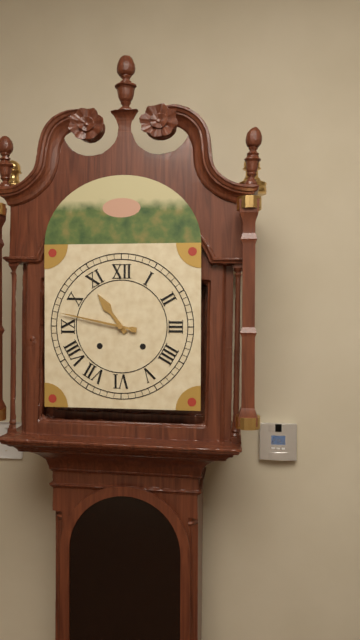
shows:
10,47
